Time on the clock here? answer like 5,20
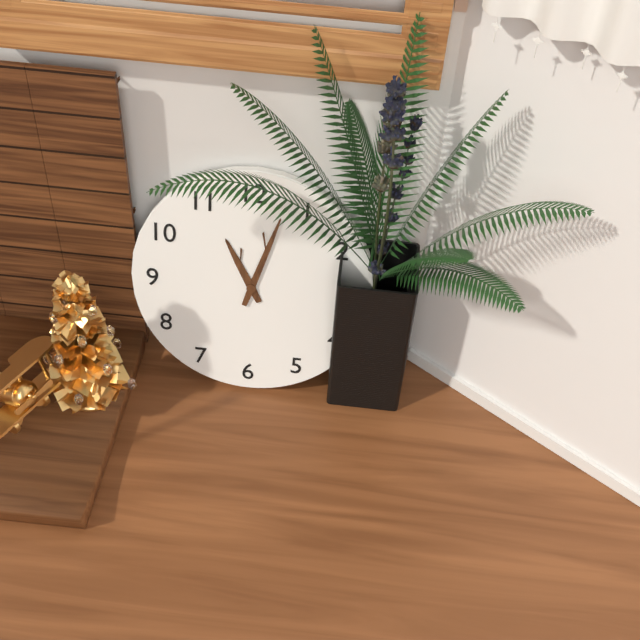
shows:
11,03
